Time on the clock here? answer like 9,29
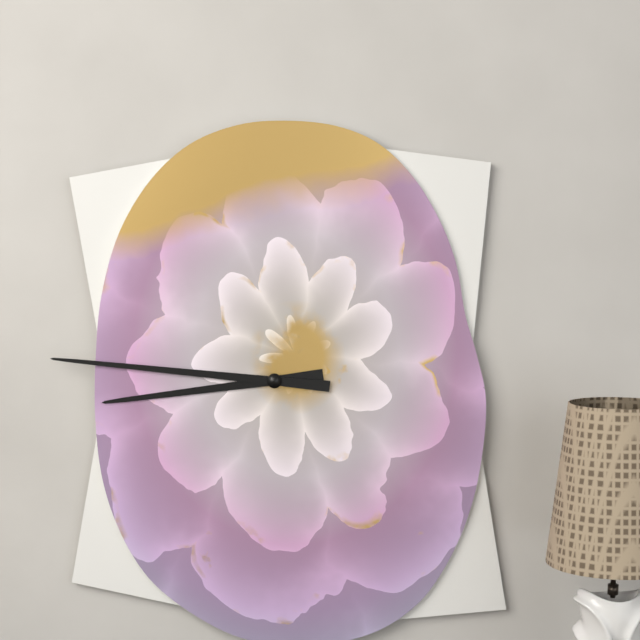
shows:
8,46
